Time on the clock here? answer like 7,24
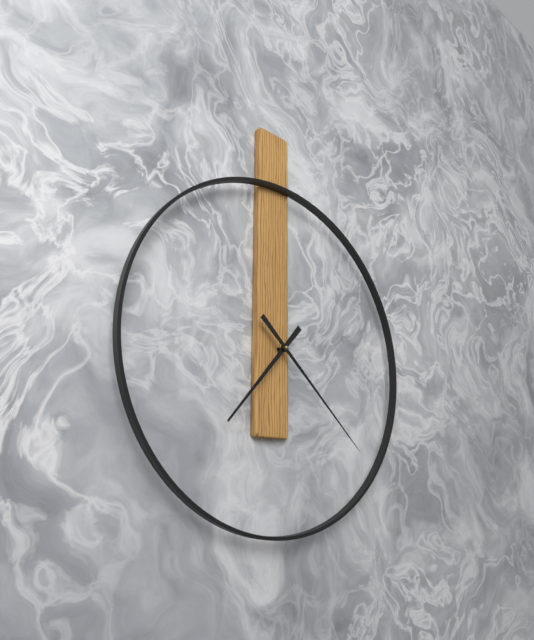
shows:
7,22
